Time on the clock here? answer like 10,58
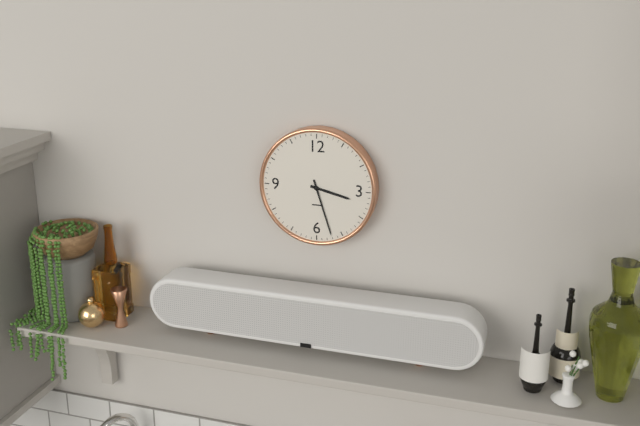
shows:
3,27
